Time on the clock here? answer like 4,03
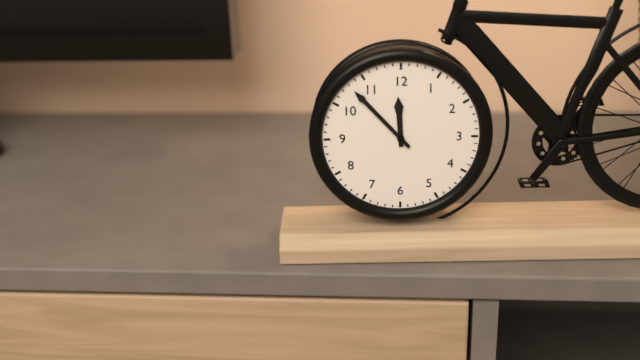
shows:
11,53
